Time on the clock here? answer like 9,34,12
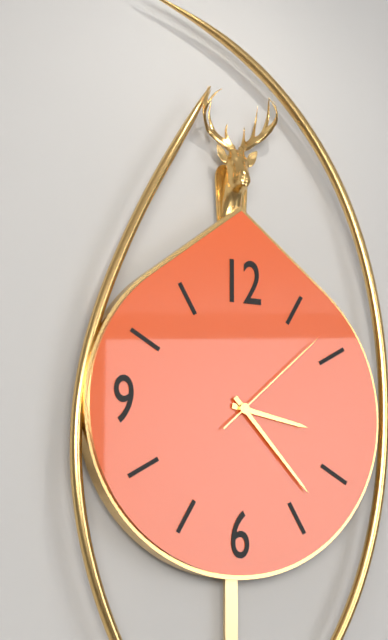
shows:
3,23,08
